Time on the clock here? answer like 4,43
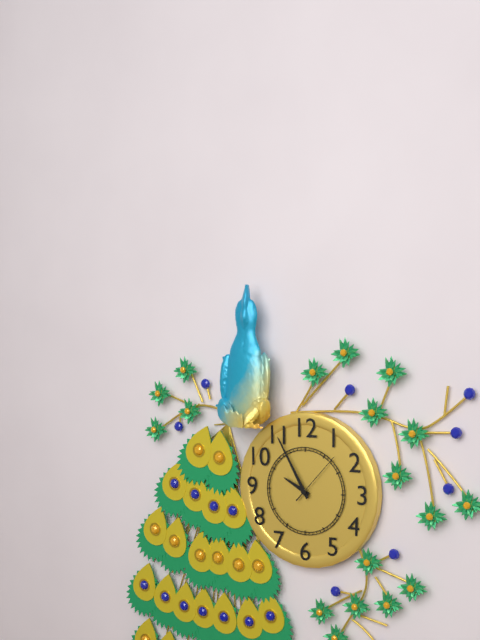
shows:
9,55
